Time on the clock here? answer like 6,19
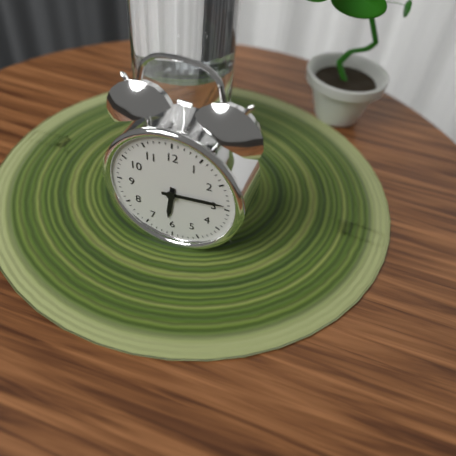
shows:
6,14
